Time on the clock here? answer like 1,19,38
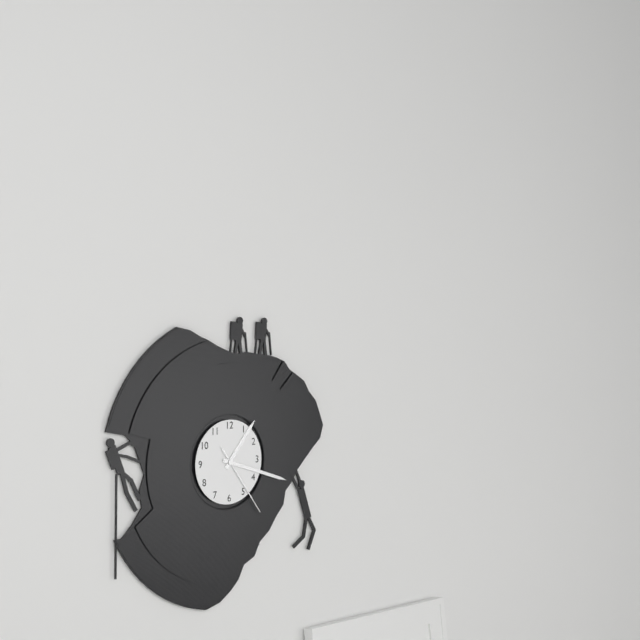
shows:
1,18,24
